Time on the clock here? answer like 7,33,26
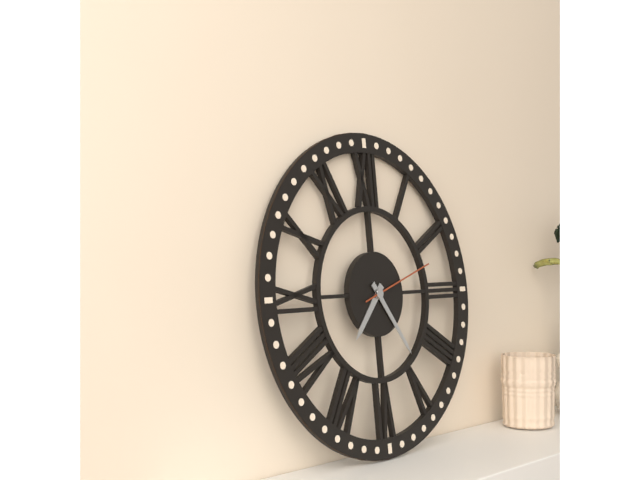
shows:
7,24,12
